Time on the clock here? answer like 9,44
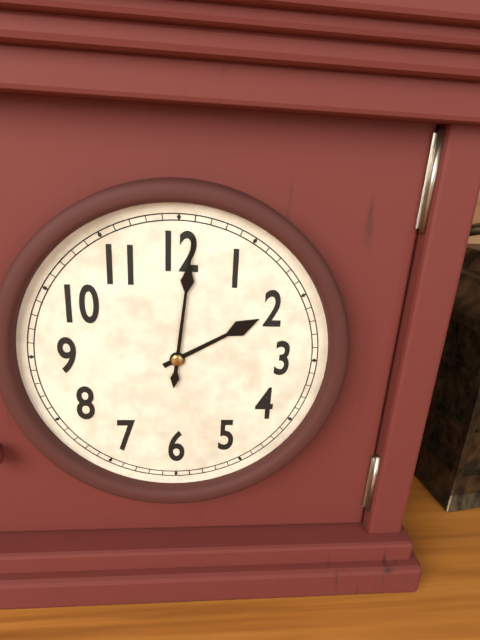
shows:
2,01
